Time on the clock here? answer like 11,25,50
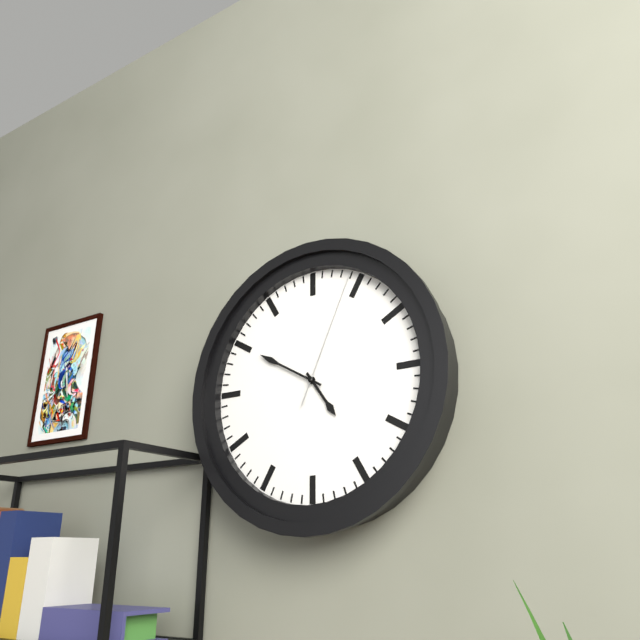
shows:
4,50,04
